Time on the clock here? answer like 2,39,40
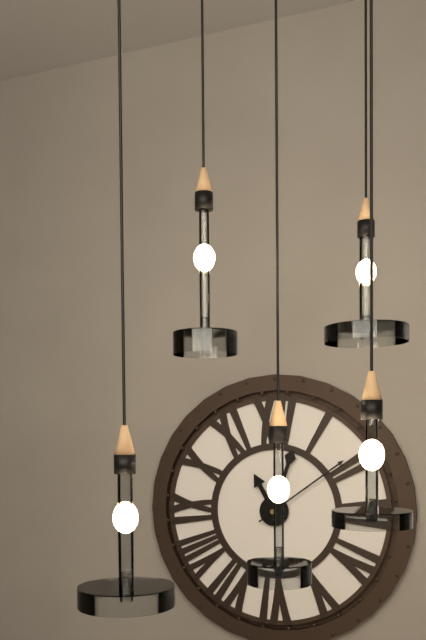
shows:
11,03,09
